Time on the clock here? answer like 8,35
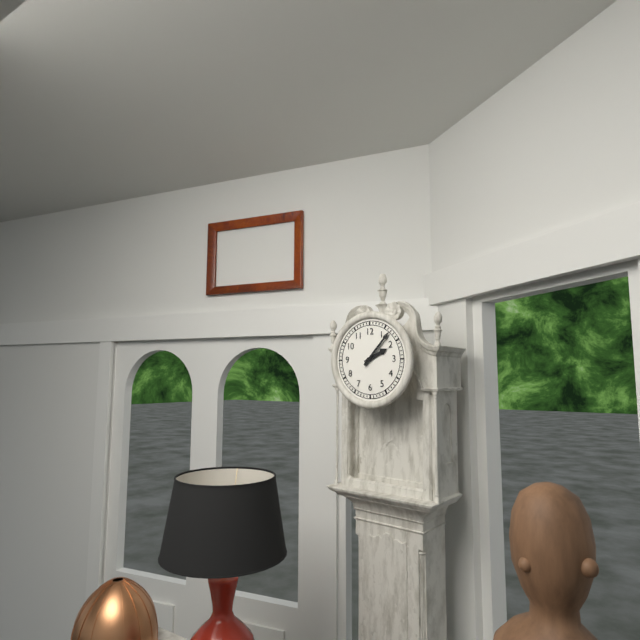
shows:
2,07
